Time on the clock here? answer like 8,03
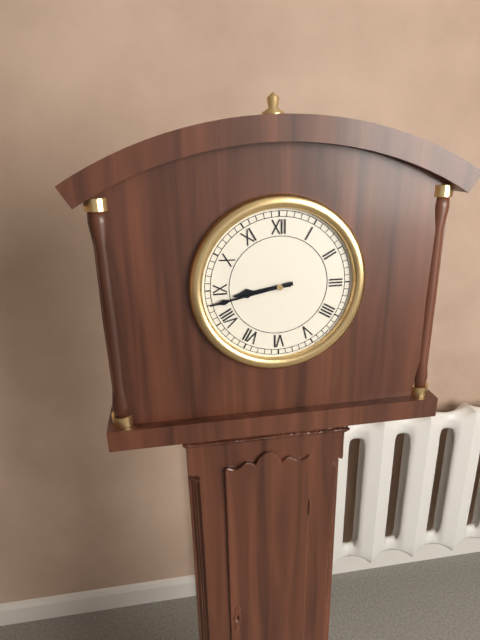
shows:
8,43
